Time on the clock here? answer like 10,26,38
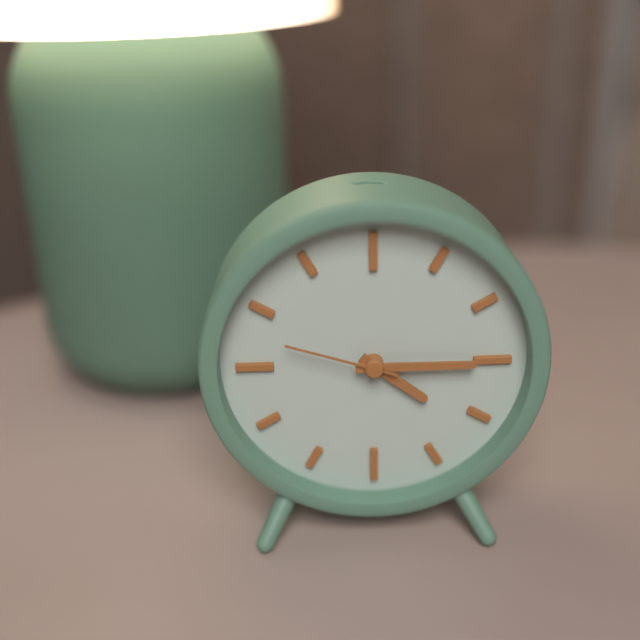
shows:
4,15,48
